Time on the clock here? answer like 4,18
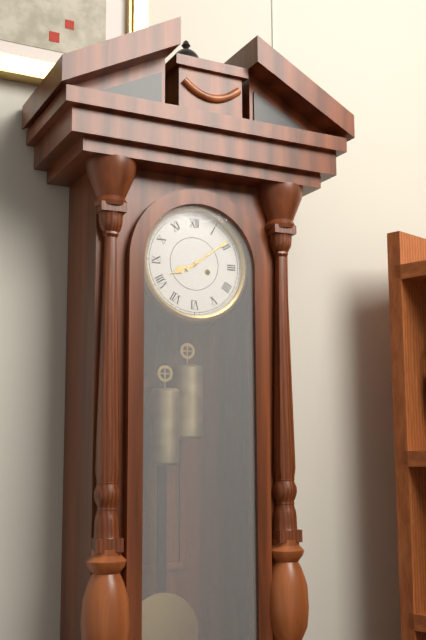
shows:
8,09
